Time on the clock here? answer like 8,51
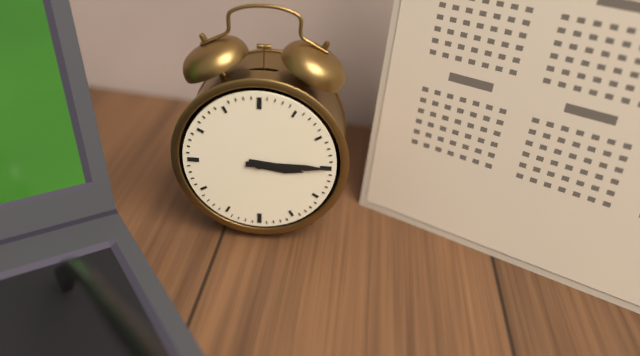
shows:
3,15
